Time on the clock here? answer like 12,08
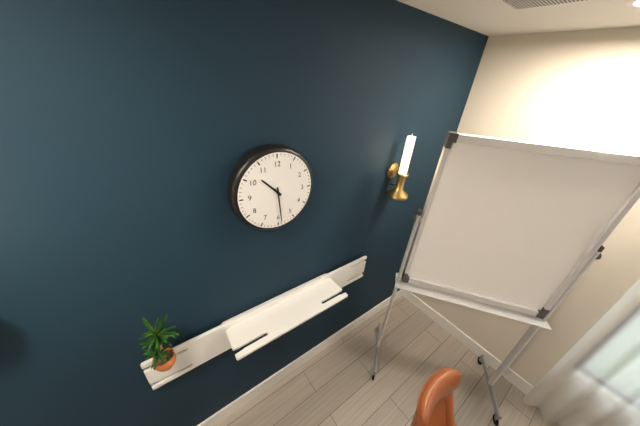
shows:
10,29
